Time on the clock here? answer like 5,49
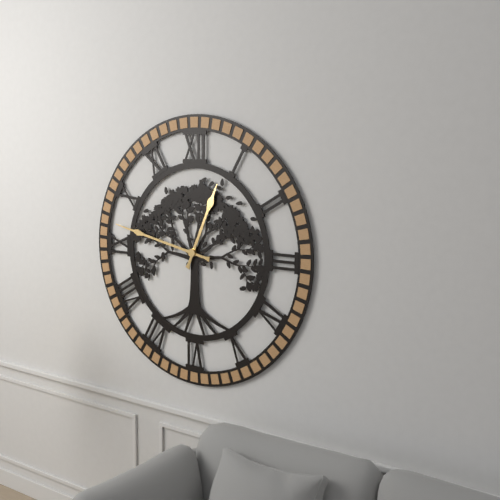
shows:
12,47
